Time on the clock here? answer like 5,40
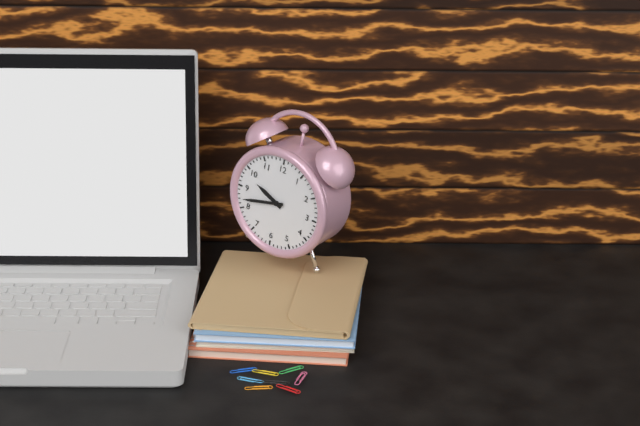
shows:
9,42
